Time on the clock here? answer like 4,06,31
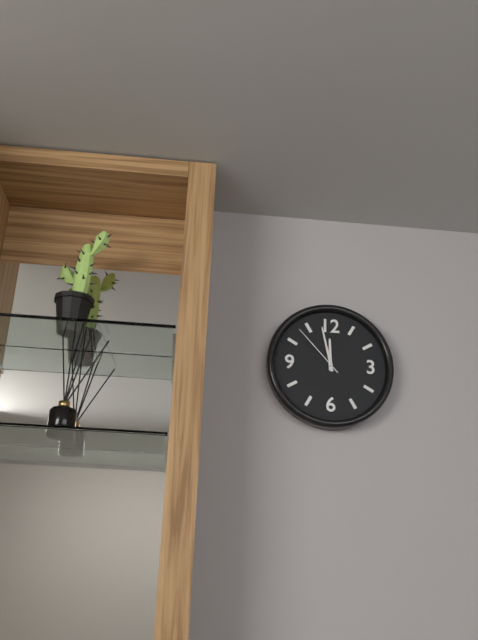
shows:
11,58,53
